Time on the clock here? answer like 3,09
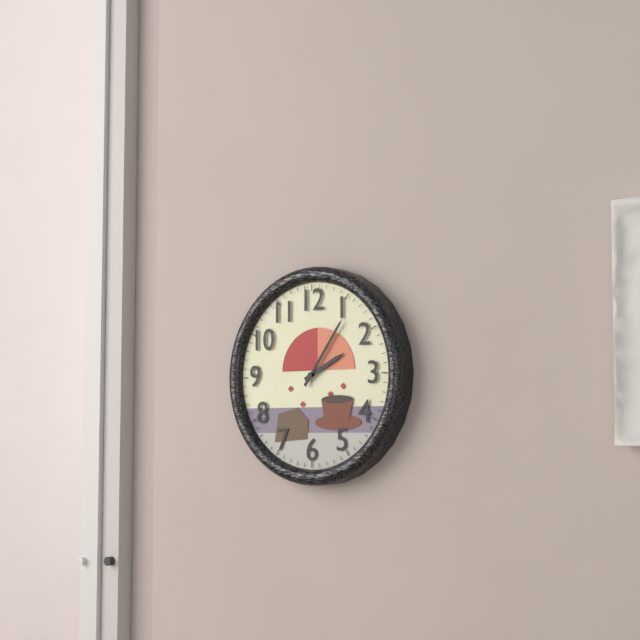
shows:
2,06
